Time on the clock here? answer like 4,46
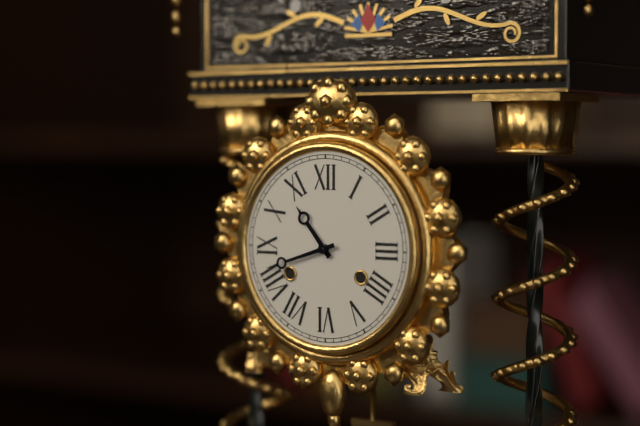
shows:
10,42
